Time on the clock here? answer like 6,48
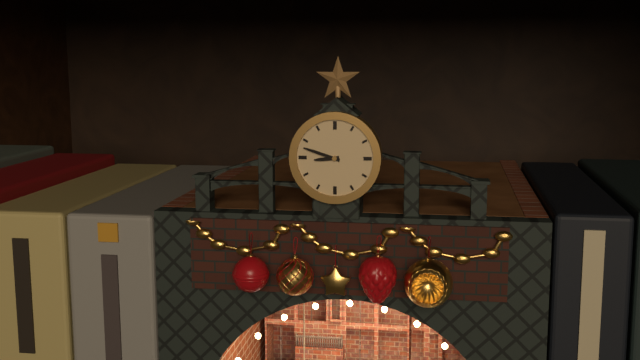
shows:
8,48
